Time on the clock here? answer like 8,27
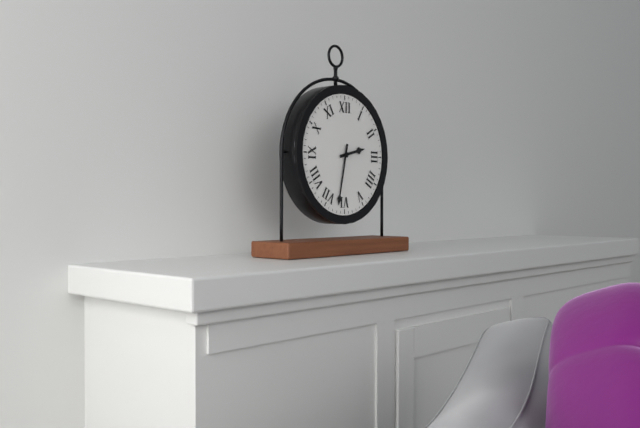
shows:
2,32
